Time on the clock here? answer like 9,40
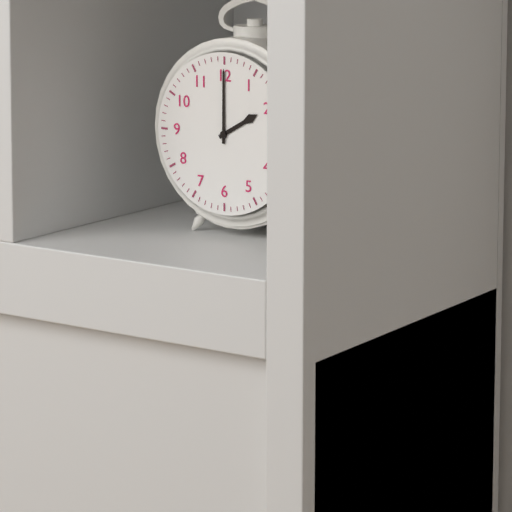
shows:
2,00
